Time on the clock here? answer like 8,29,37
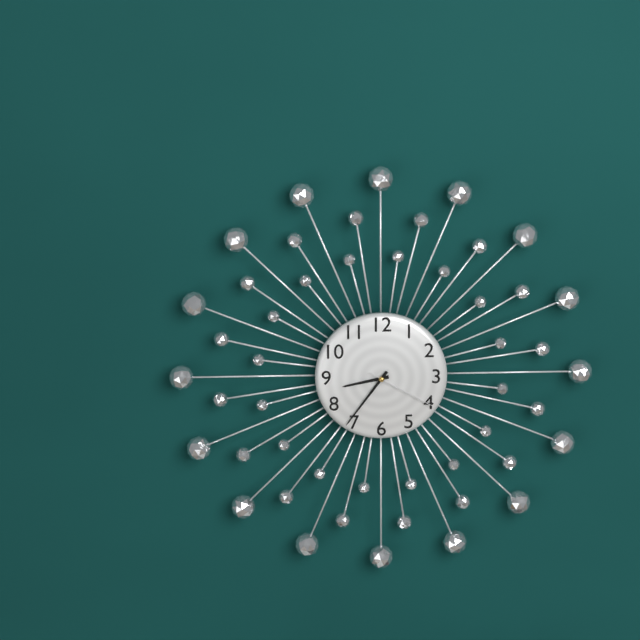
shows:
8,36,20
